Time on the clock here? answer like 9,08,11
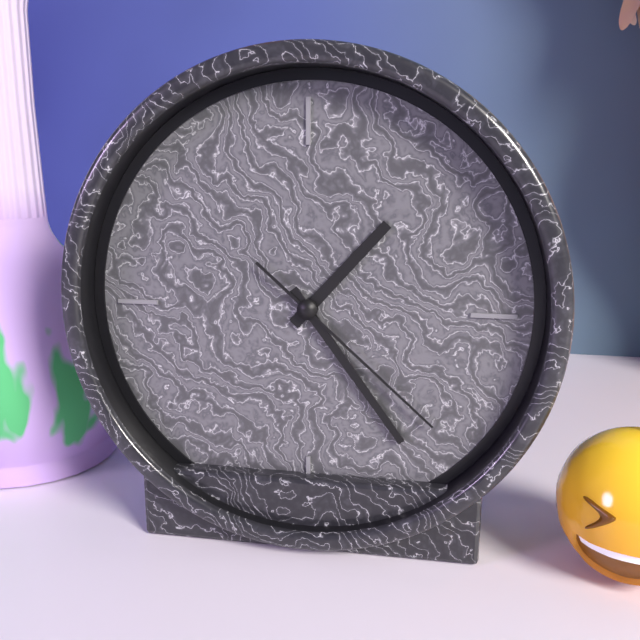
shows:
1,24,22
